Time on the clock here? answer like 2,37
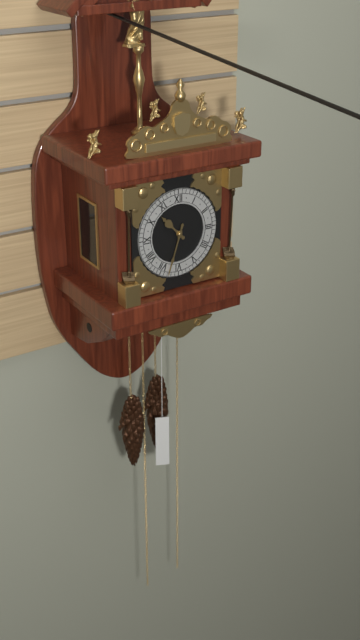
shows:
10,33
